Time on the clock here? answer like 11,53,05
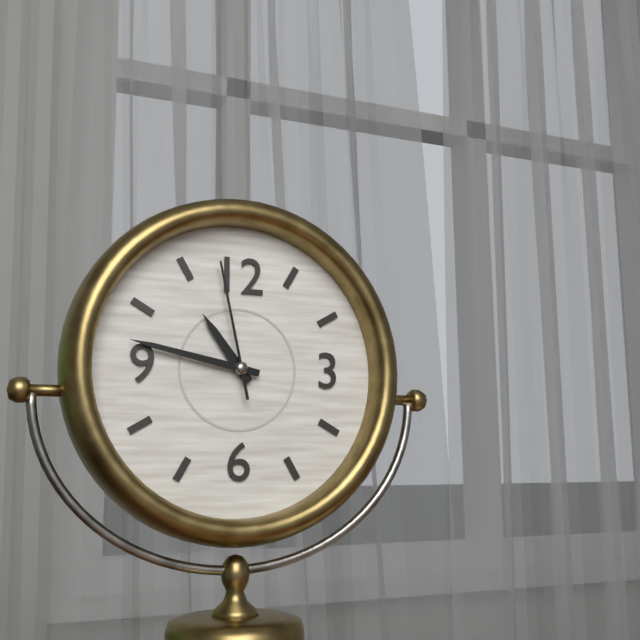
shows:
10,47,58
